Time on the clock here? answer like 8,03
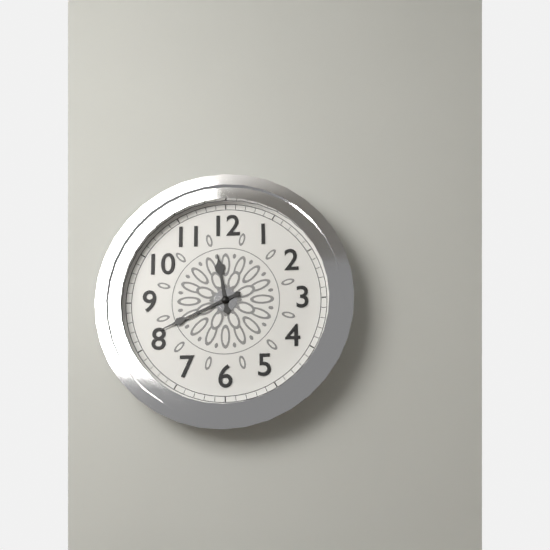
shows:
11,41
